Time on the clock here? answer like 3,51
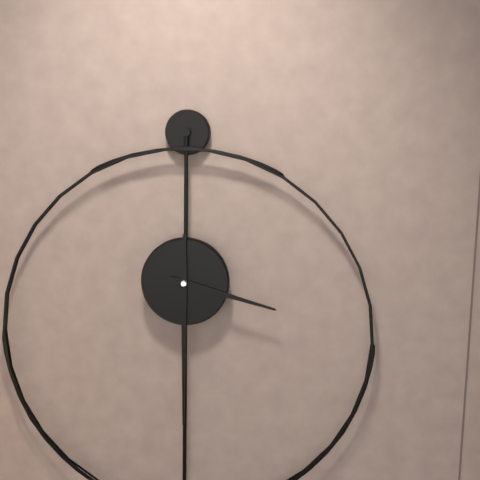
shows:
3,30
